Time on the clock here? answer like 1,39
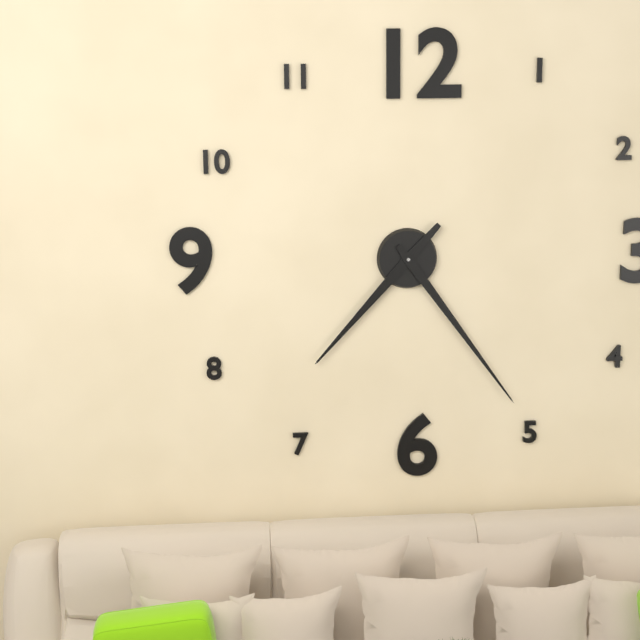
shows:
7,24
